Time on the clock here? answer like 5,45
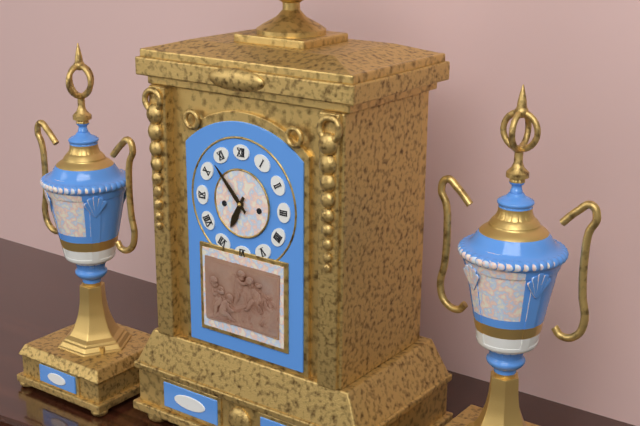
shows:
6,53
